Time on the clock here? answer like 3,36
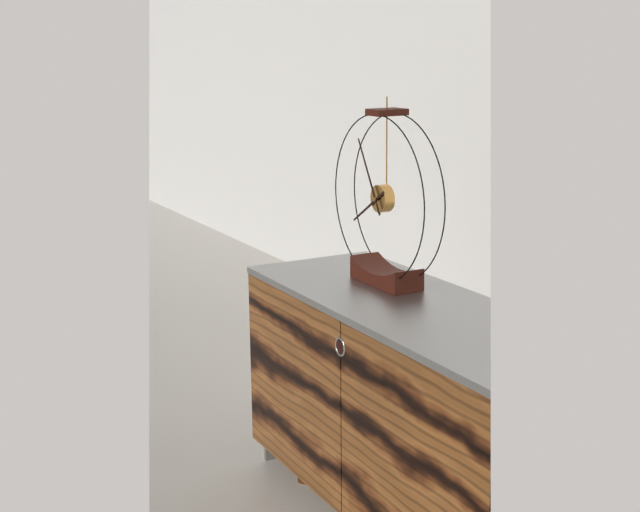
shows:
7,55
